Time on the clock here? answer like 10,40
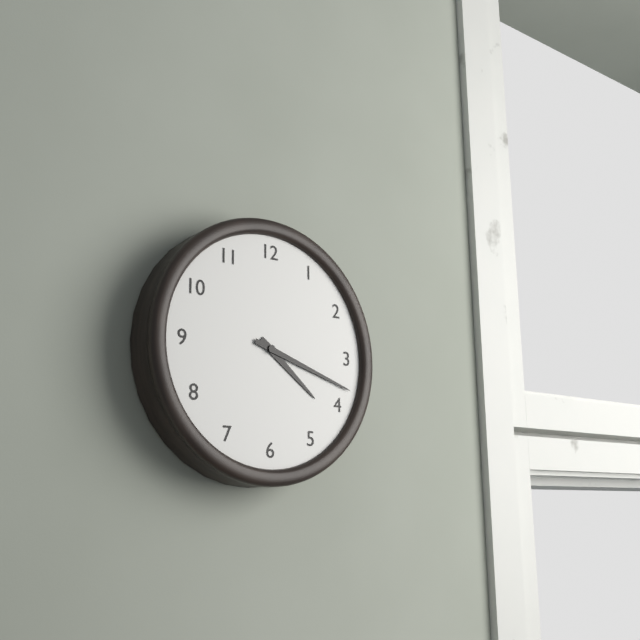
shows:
4,18
